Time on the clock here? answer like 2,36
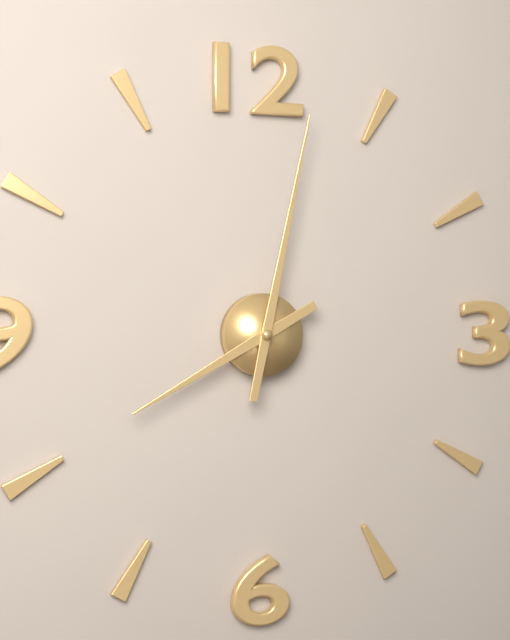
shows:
8,02
